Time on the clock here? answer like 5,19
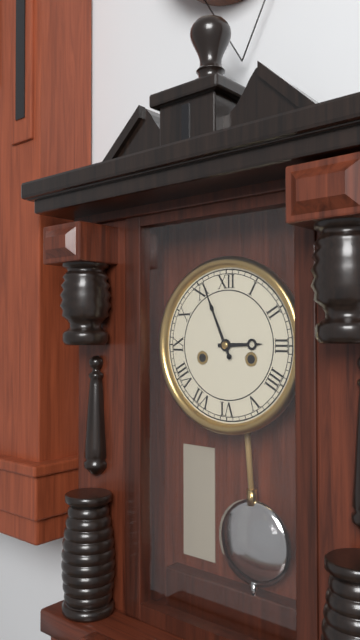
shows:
2,56
